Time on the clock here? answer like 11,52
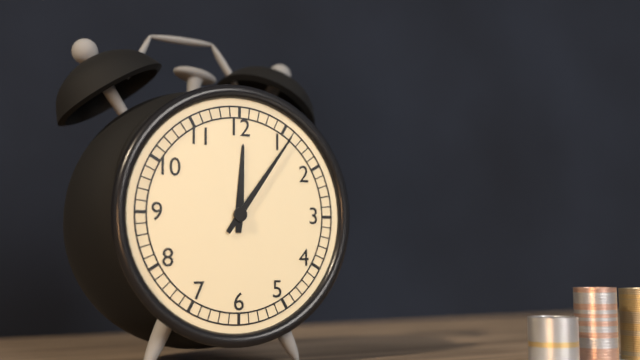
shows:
12,06
